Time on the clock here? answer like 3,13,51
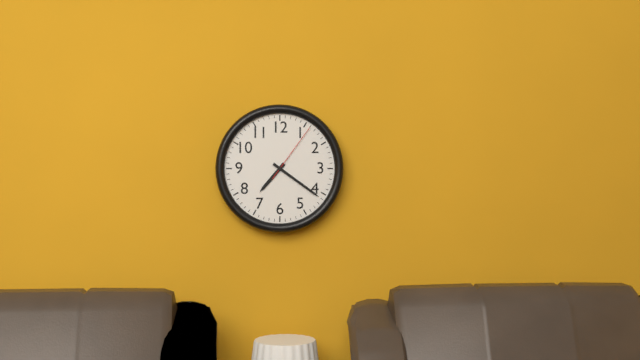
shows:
7,21,06
